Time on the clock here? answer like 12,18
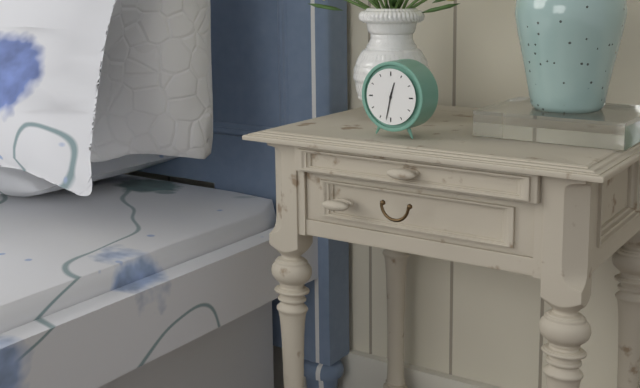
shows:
12,32
